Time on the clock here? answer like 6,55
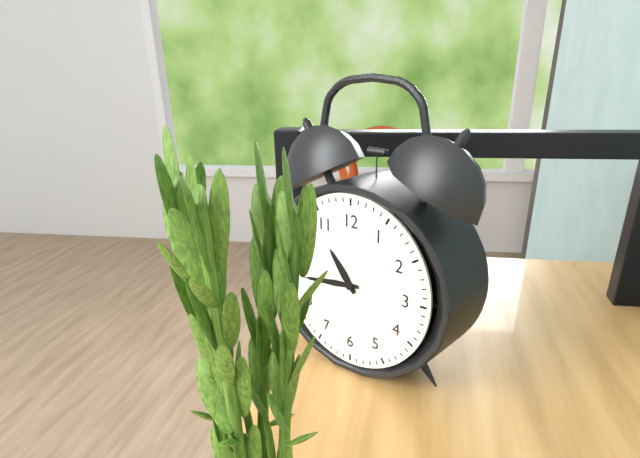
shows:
10,44
